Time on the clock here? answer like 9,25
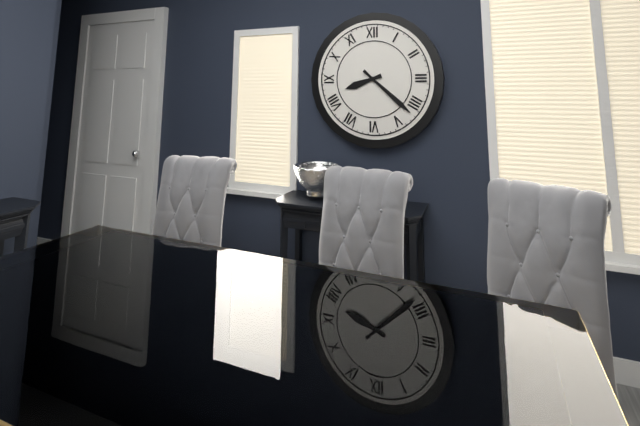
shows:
8,22
